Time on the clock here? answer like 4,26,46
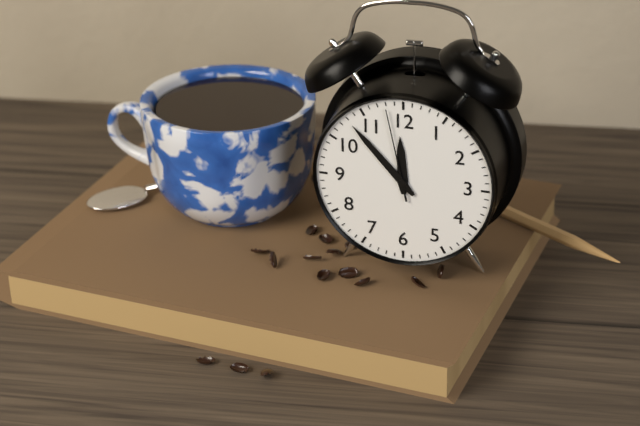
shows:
11,53,58
